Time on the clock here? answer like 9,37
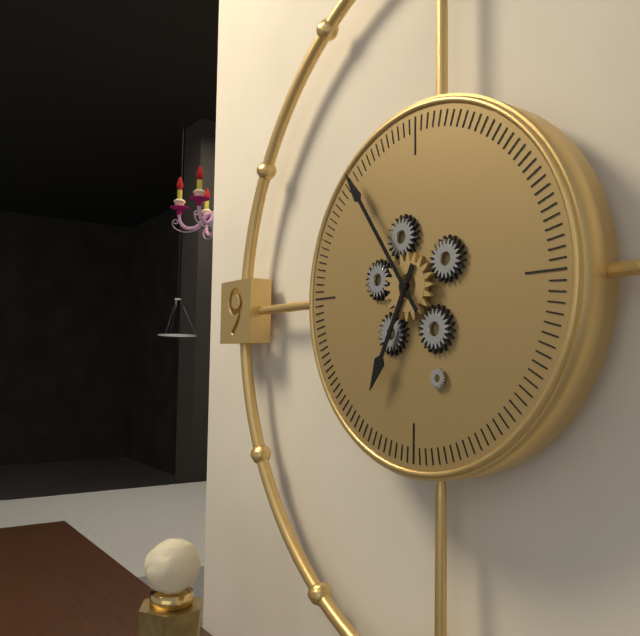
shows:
6,54
